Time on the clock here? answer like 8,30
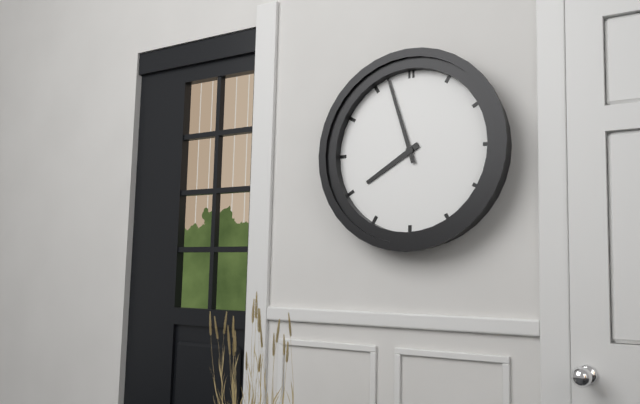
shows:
7,57
